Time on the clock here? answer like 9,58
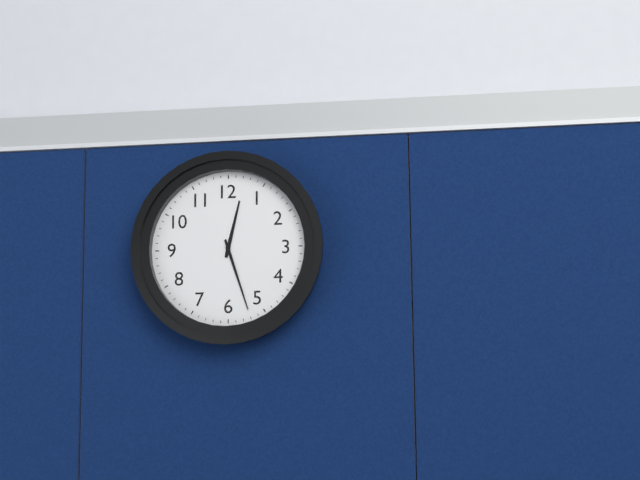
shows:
12,27
